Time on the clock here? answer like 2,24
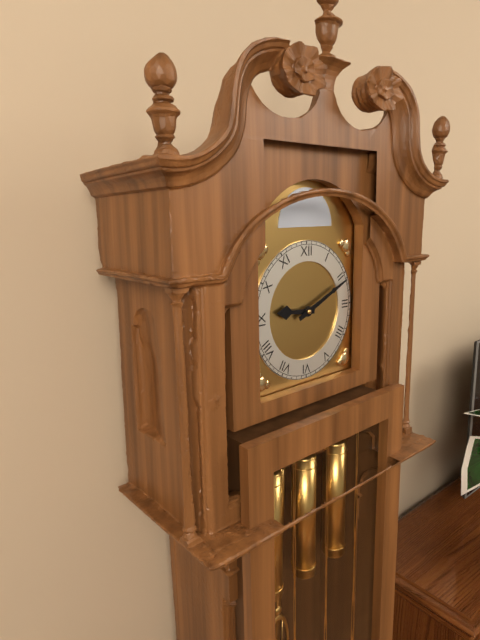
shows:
9,11
